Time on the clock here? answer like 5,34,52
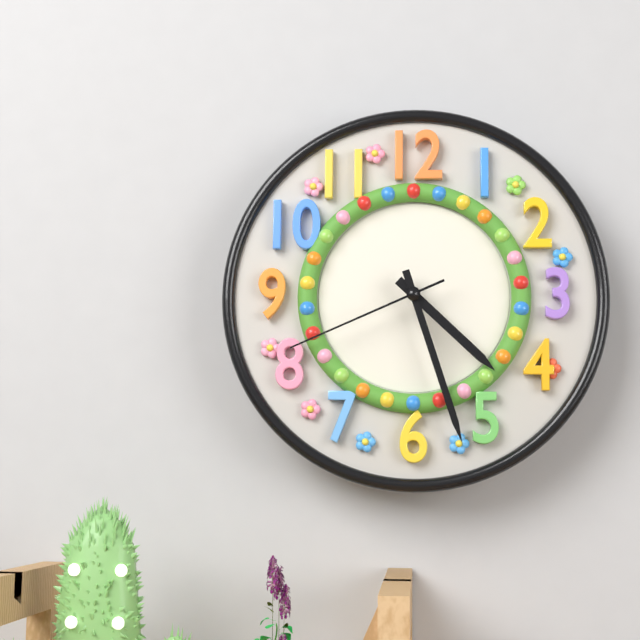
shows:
4,27,41
